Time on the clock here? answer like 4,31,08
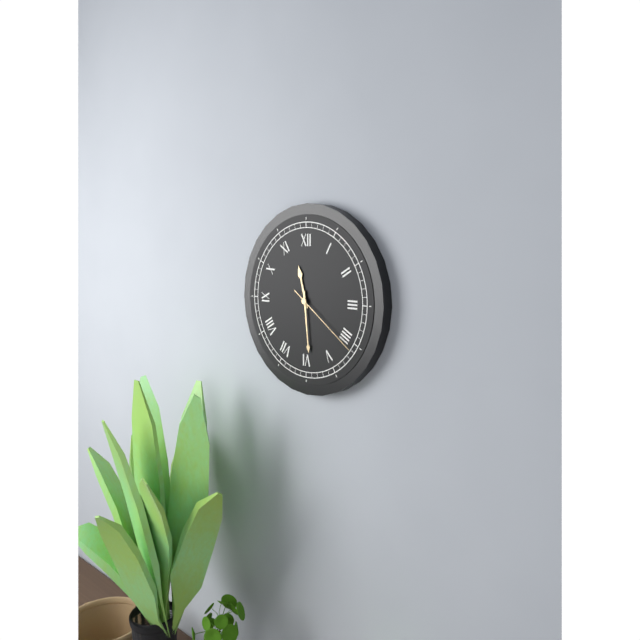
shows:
11,29,21
